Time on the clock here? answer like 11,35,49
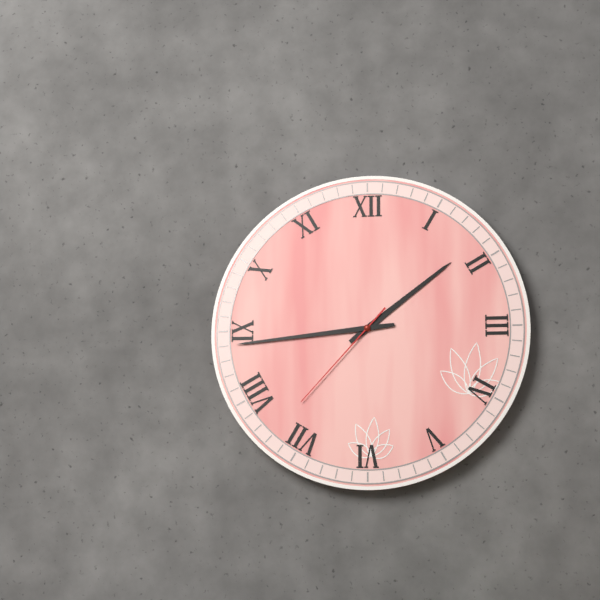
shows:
1,44,37
